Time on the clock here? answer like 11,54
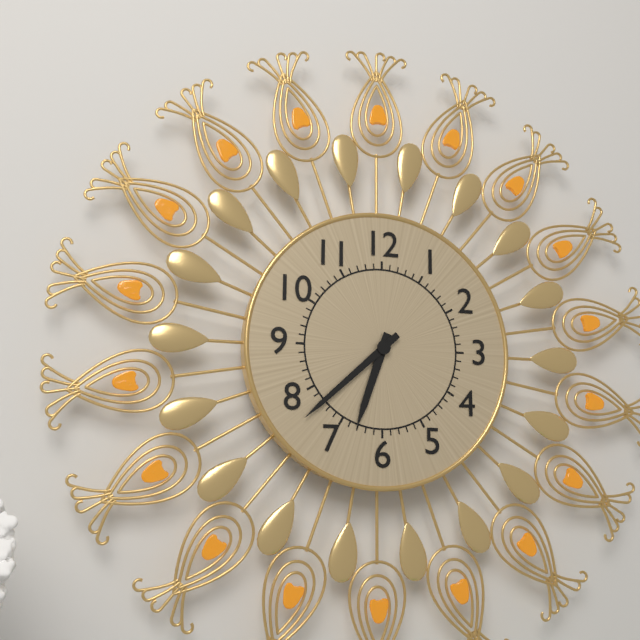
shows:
6,38
